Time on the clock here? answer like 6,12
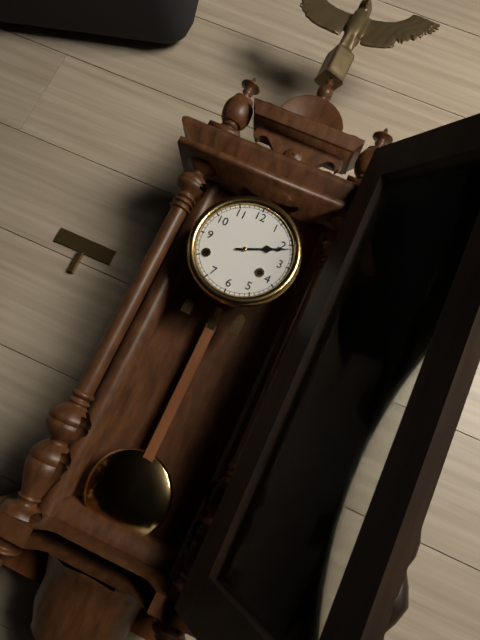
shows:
2,11
